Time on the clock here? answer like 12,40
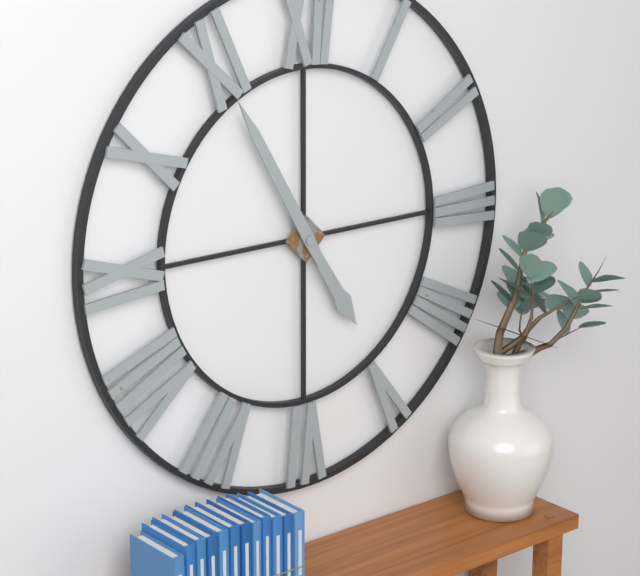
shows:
4,55
